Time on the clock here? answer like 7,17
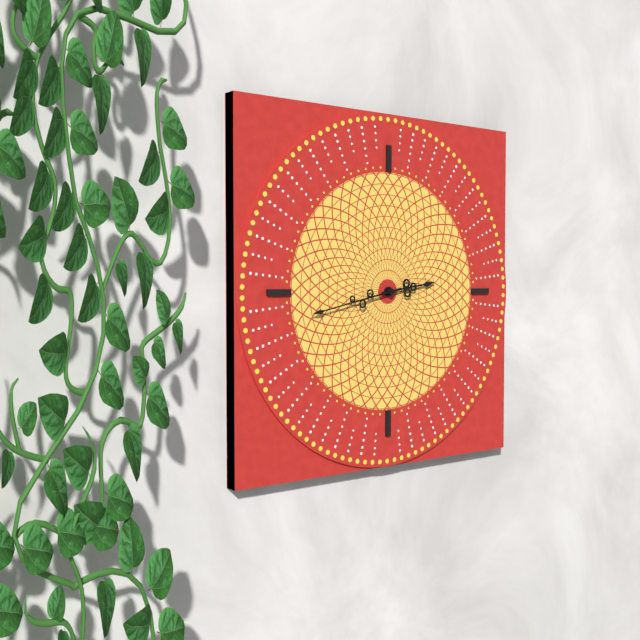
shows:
2,43
